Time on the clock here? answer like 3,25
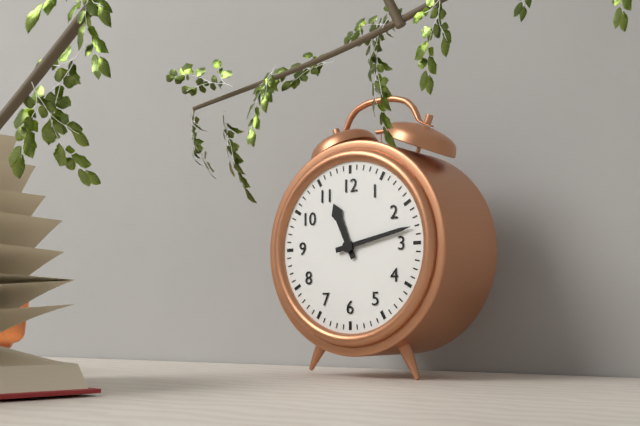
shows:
11,13
